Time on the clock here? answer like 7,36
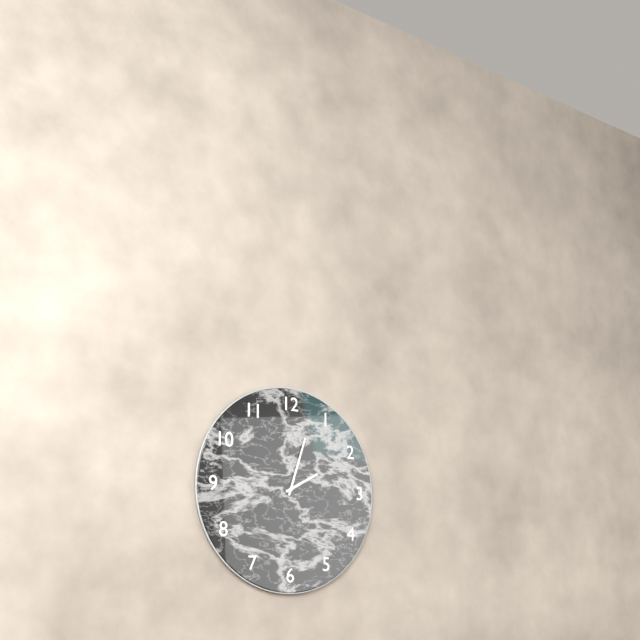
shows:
2,03
